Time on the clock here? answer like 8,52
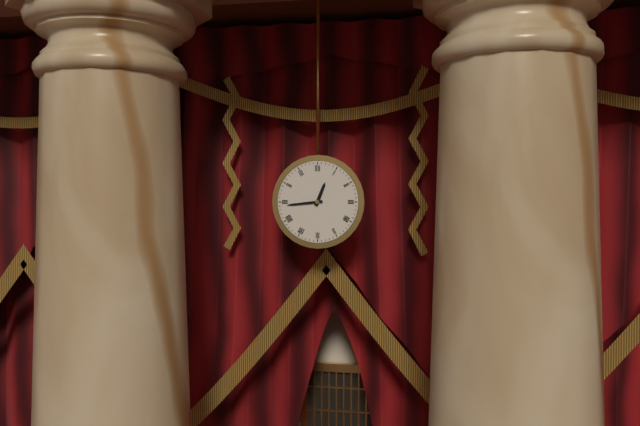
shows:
12,44
